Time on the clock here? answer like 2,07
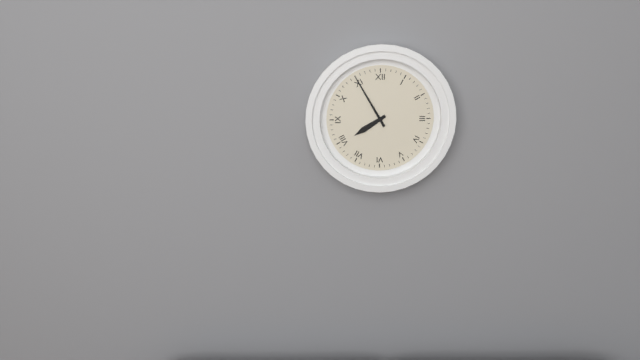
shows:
7,55
